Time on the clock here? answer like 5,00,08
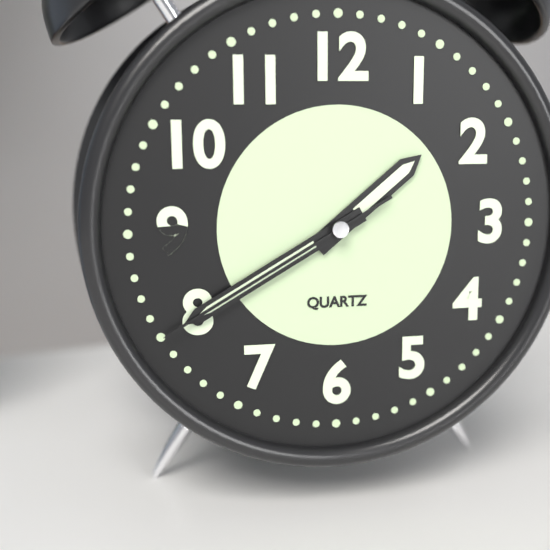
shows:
1,40,40
